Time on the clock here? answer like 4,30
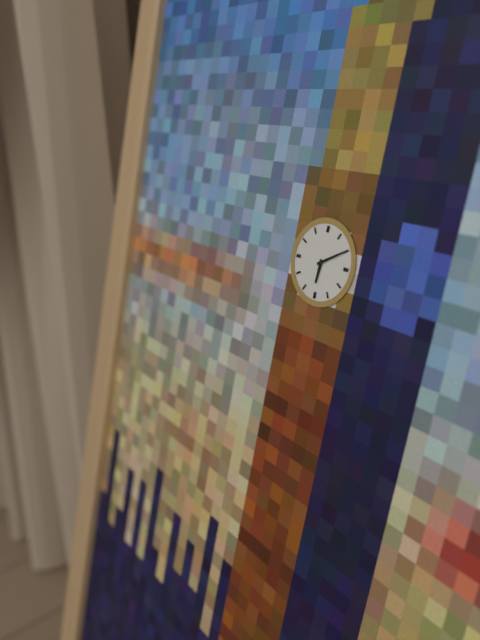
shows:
6,10
